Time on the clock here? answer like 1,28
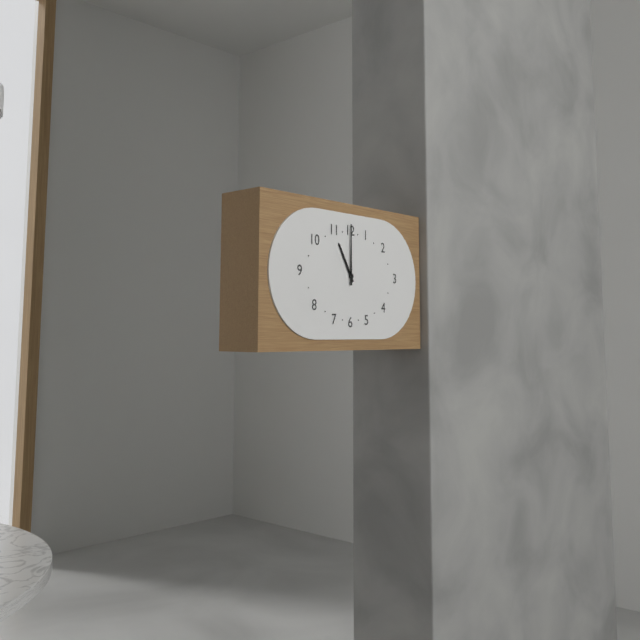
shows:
11,00
